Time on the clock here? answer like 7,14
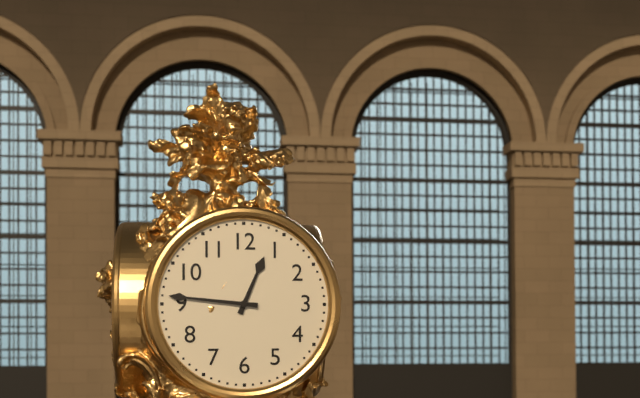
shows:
12,46
